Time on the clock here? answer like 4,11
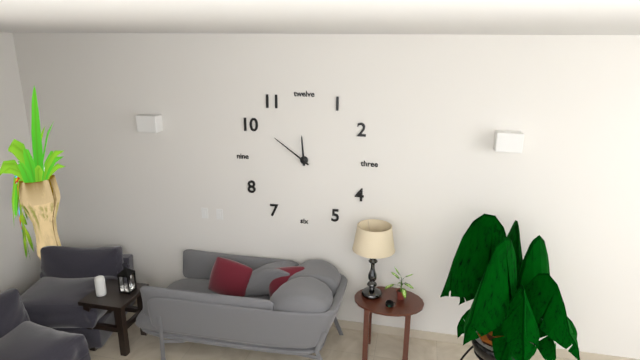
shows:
11,51
